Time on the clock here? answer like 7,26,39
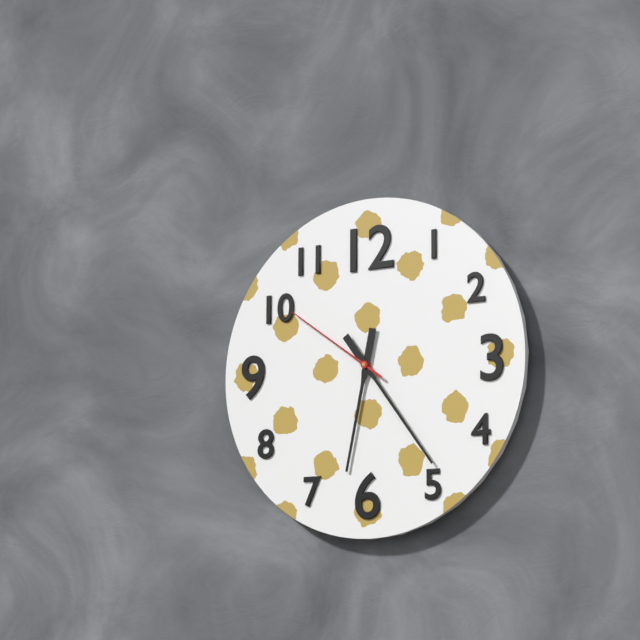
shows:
6,24,51
